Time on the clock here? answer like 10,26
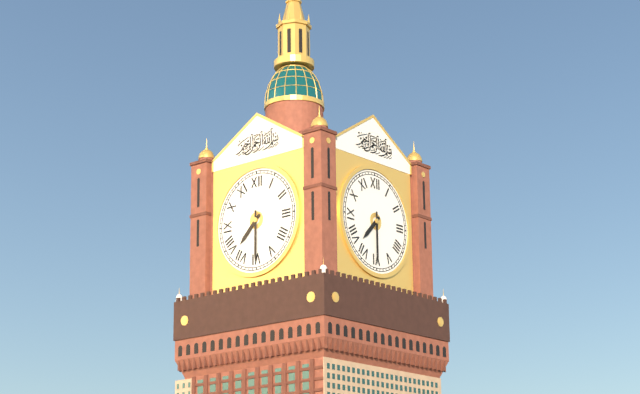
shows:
7,30
